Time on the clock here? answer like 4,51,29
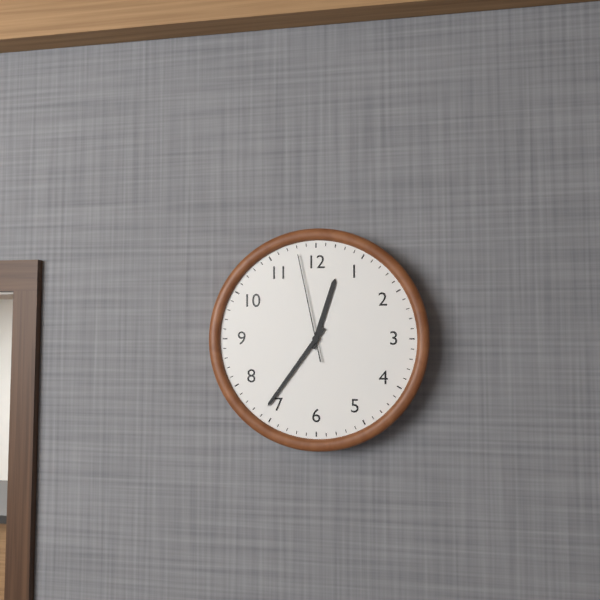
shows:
12,36,58
